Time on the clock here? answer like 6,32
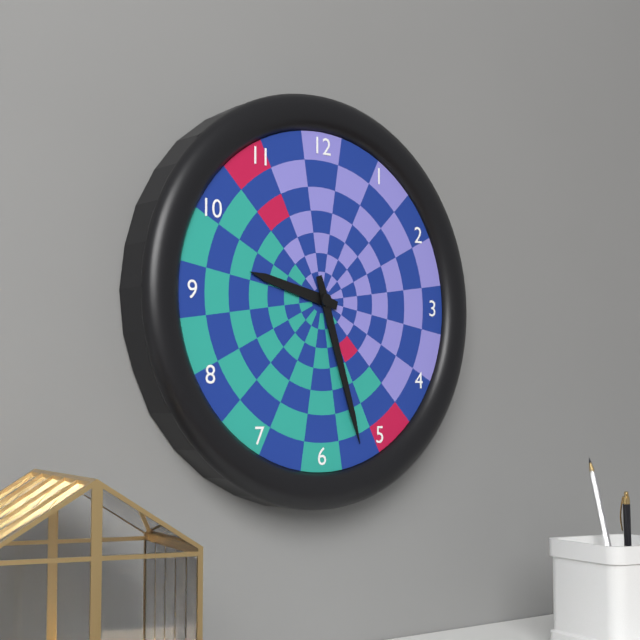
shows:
9,27
